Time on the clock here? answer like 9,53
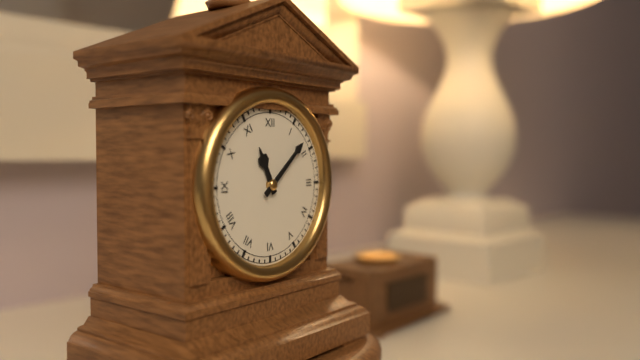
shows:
11,08
